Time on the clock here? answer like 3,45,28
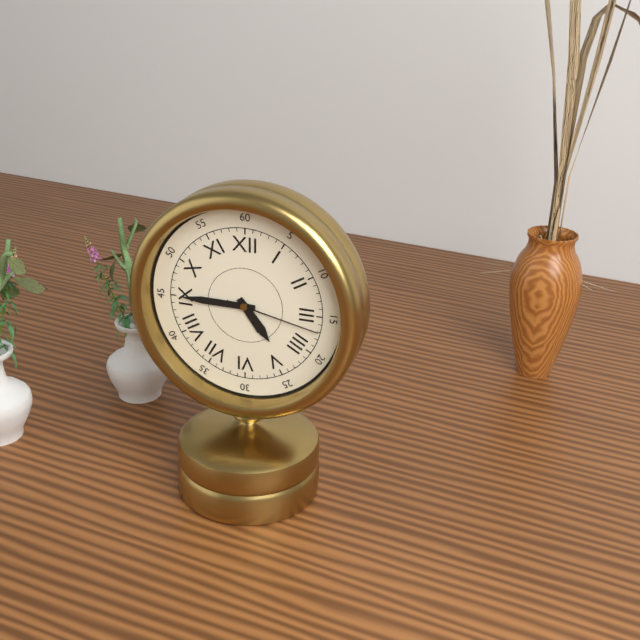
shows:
4,45,17
